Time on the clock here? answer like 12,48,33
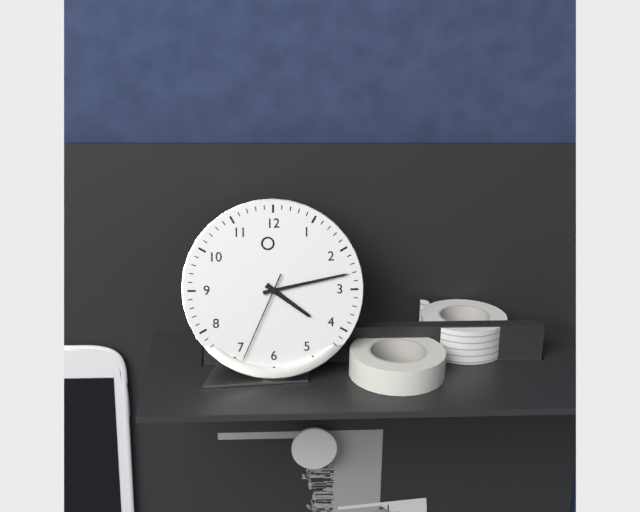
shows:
4,13,34
